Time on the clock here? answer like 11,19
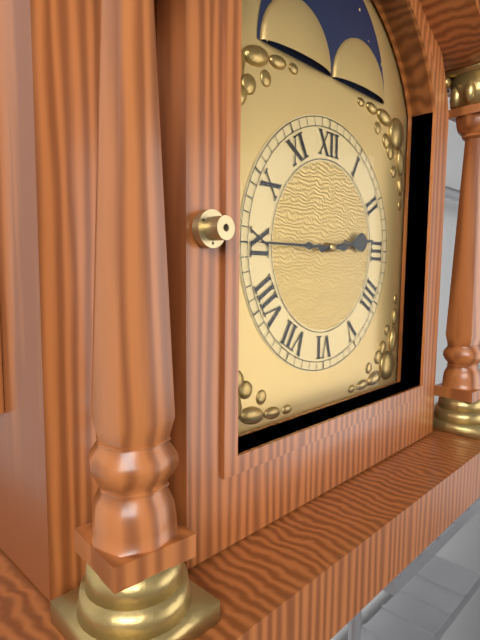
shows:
2,45
